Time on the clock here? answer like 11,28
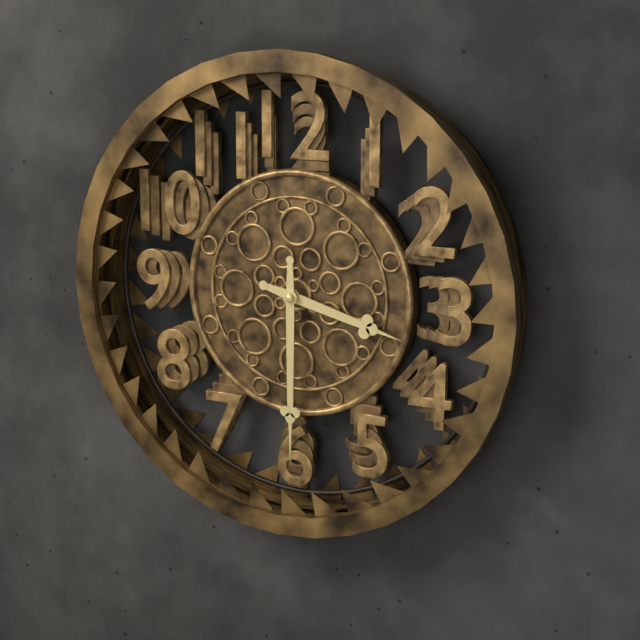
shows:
3,30
